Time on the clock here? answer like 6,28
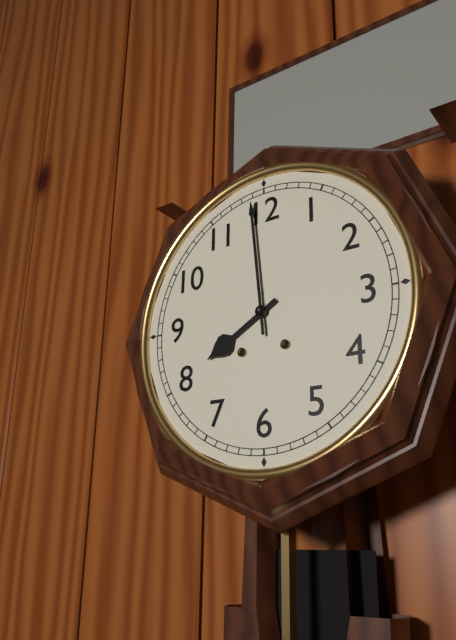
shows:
7,59
